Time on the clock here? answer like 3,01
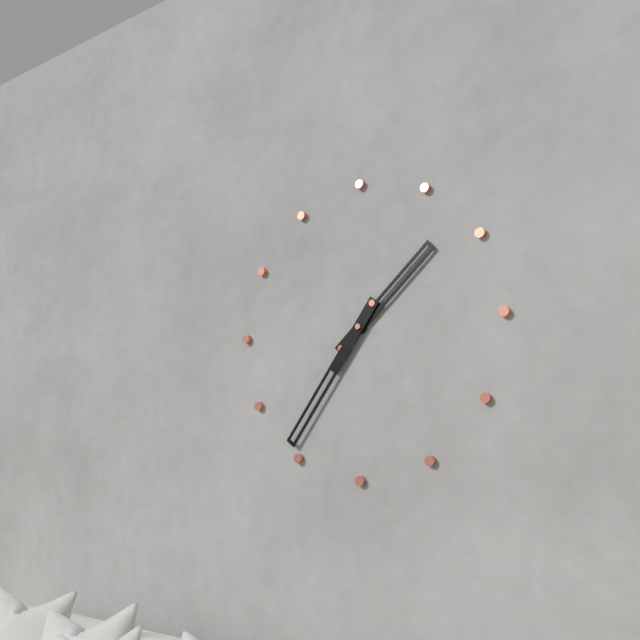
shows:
1,36
